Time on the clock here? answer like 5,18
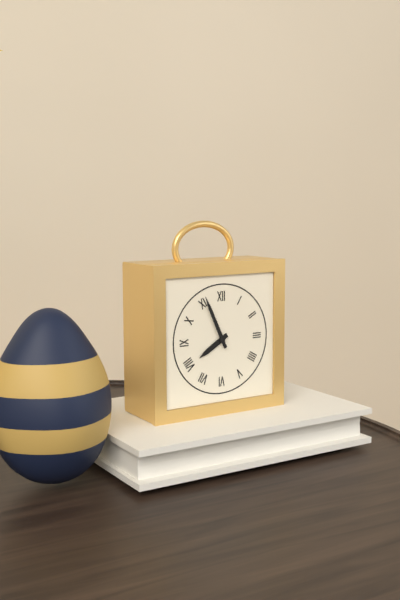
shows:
7,56
